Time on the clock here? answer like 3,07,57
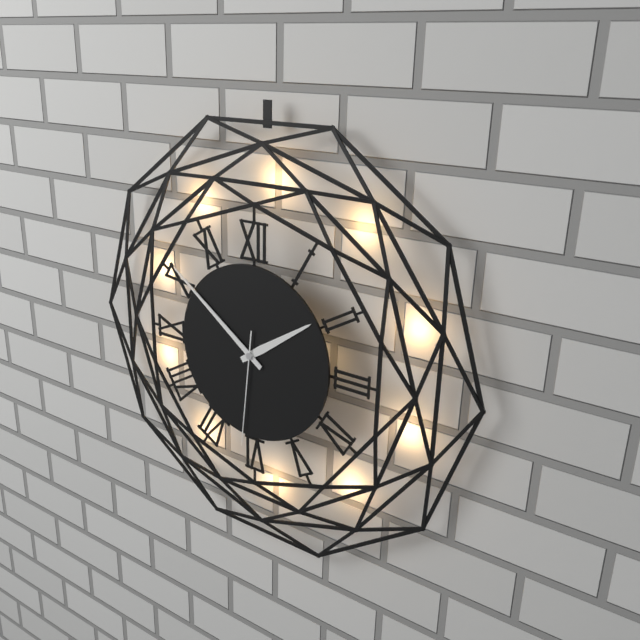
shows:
1,51,31
